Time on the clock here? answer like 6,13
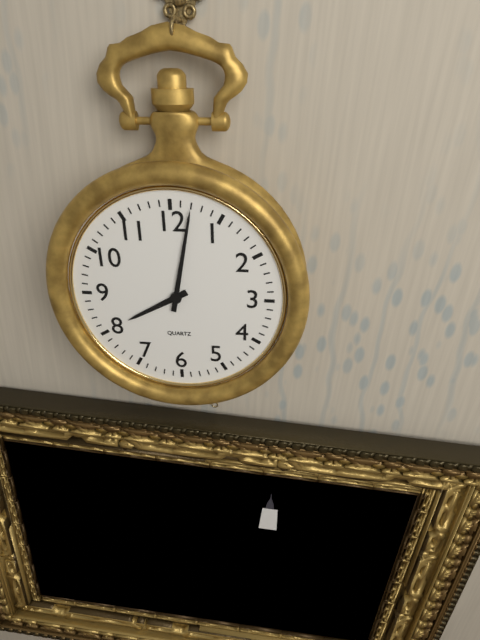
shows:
8,02
